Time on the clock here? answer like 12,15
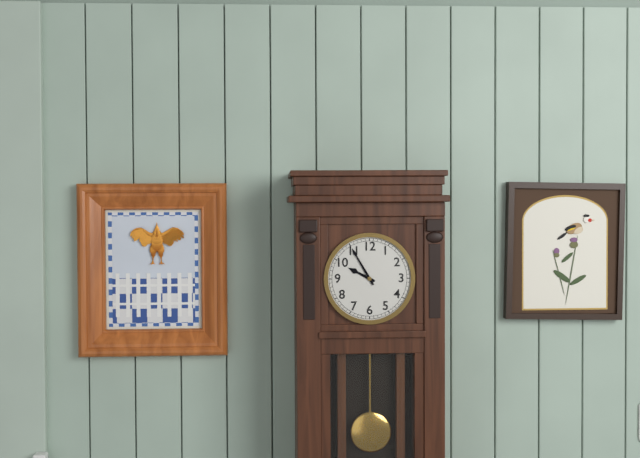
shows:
9,55
